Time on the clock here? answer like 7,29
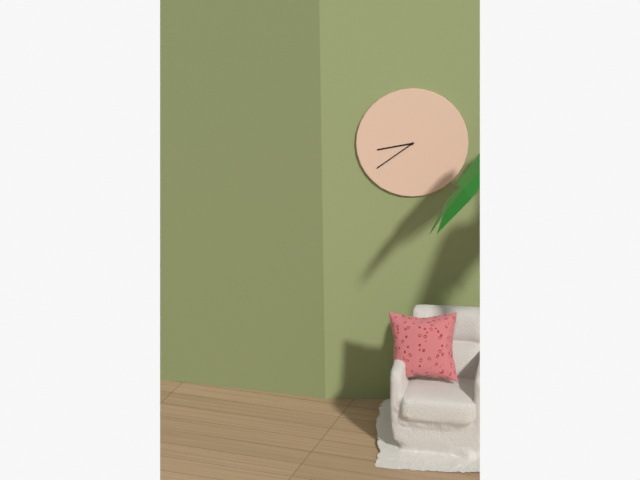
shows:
8,39
